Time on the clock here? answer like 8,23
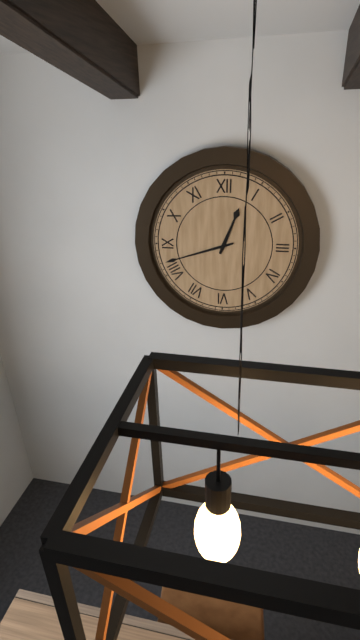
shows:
12,42
